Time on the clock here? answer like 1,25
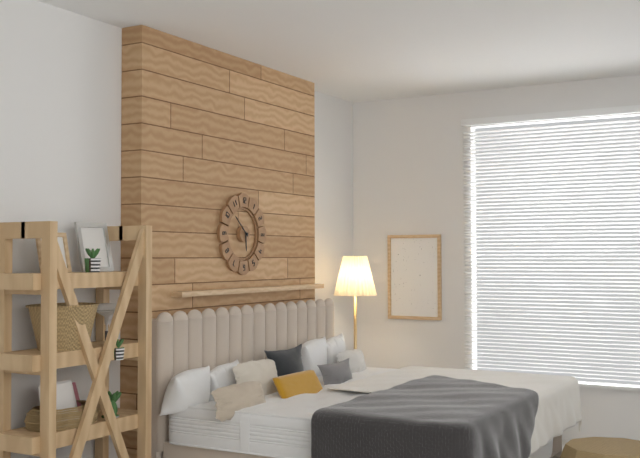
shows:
5,52
